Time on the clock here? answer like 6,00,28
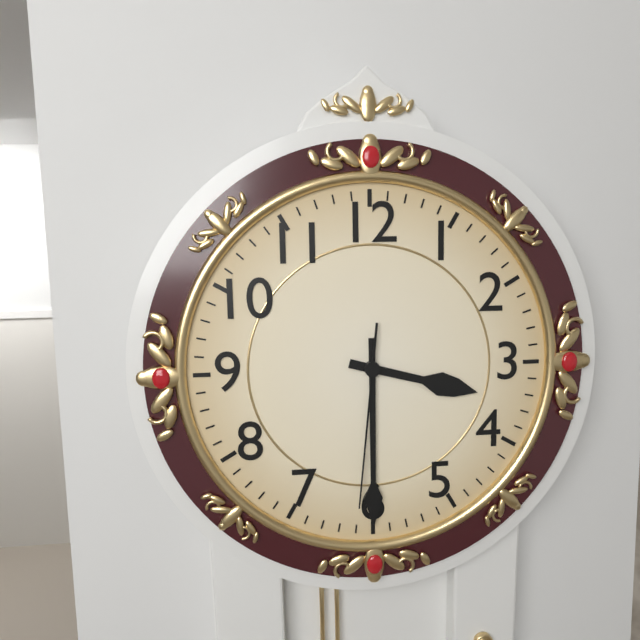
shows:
3,30,31
